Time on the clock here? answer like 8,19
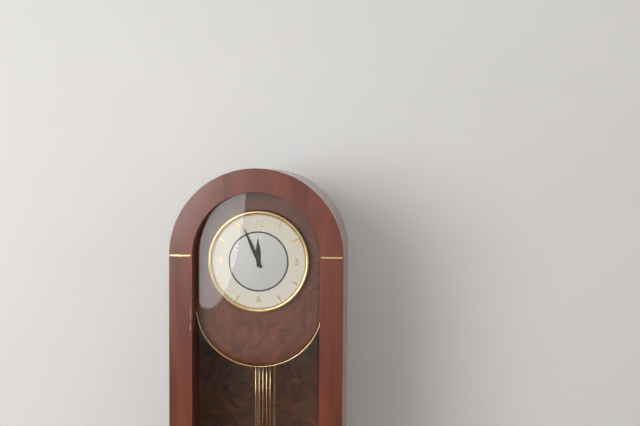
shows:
11,56
